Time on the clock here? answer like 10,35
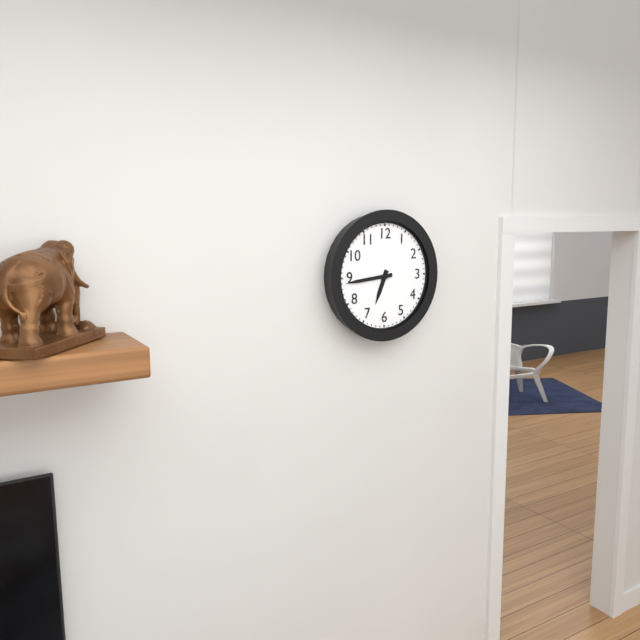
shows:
6,44
